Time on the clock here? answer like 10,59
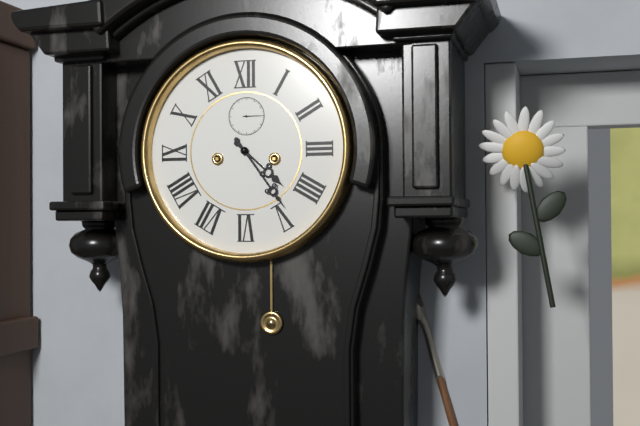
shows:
4,24
